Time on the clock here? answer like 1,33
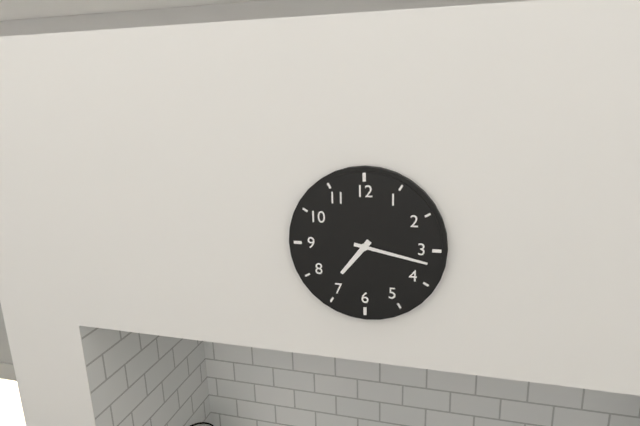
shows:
7,17
